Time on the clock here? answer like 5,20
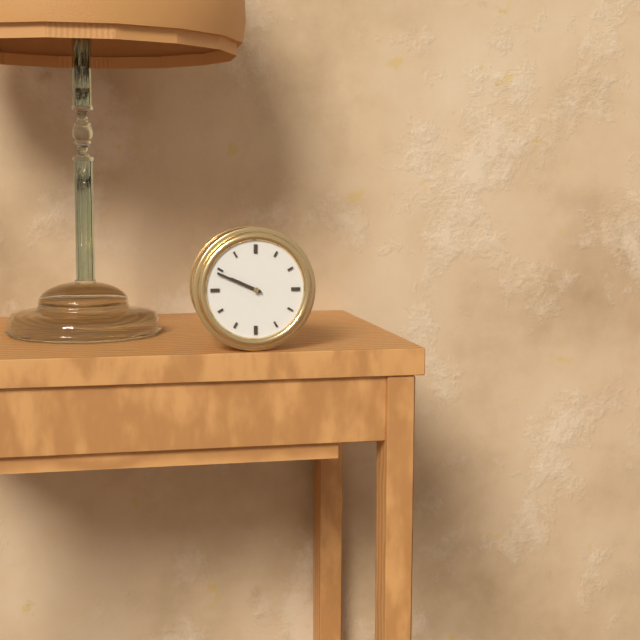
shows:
9,49
